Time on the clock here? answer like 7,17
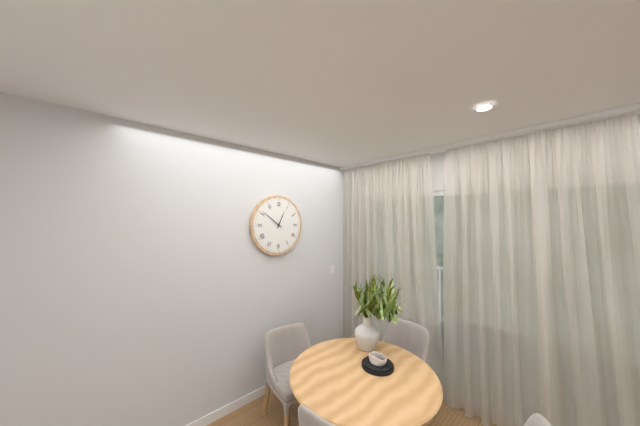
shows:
12,51
